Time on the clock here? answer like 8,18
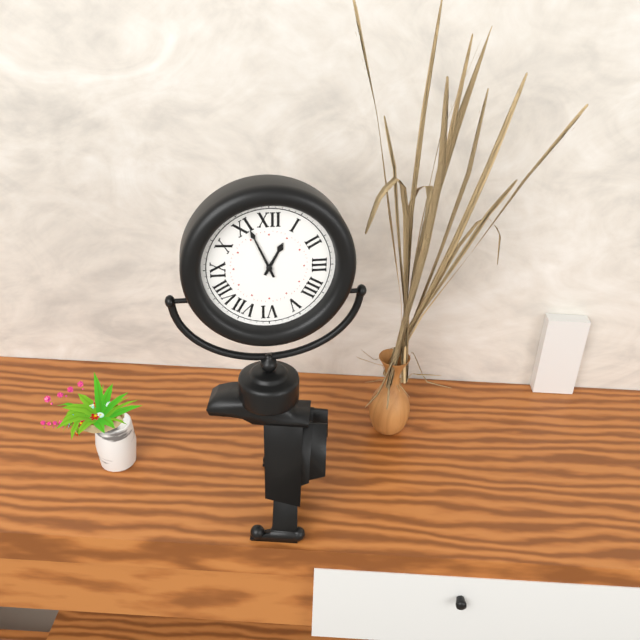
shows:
12,56
